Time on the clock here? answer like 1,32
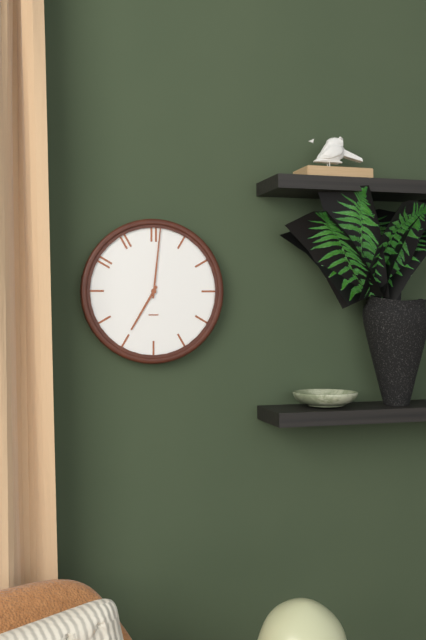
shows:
7,01
